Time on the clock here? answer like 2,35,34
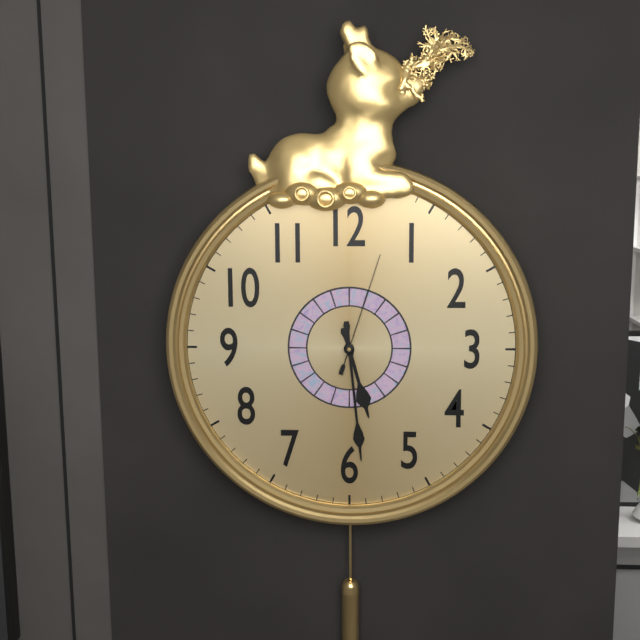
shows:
5,29,03
